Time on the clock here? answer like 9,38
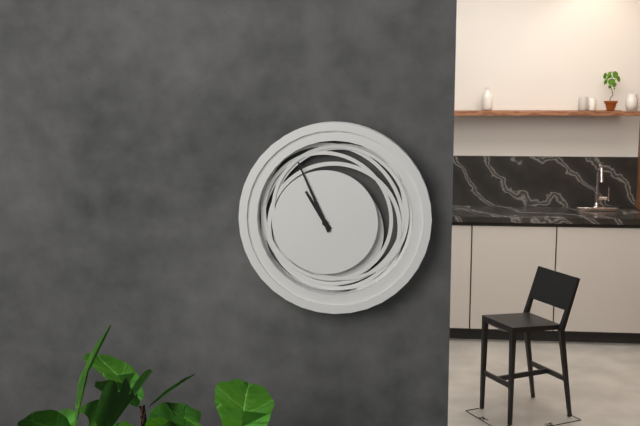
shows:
10,56
